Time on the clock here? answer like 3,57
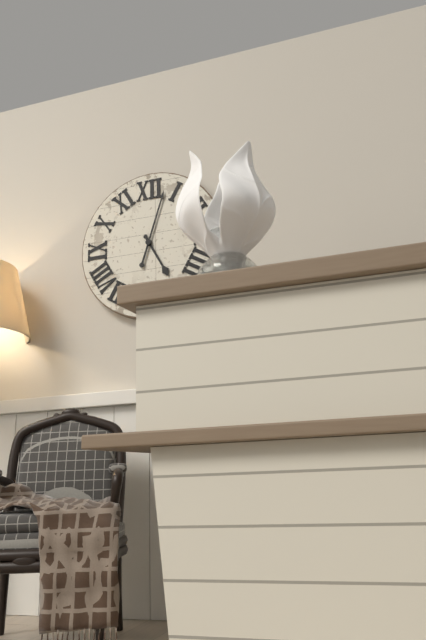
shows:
5,03
